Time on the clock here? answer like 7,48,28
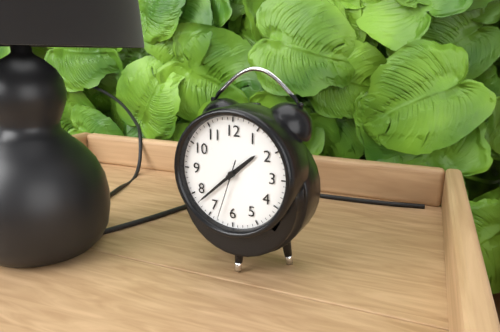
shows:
1,38,33
